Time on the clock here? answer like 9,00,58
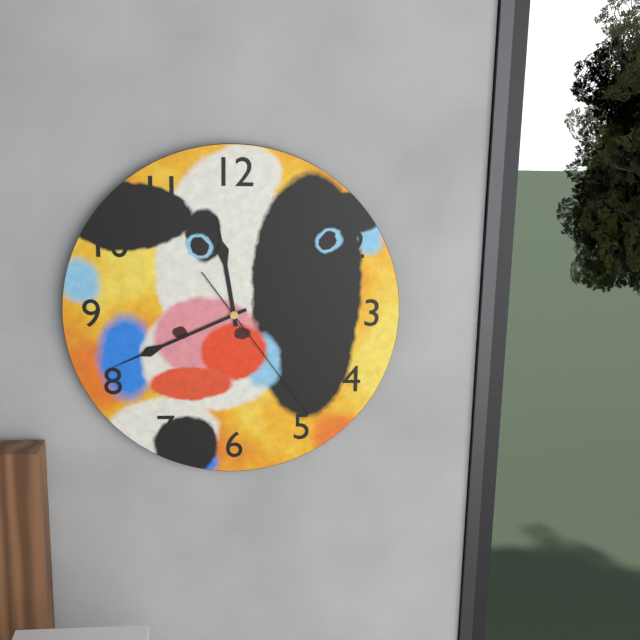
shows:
11,41,24
